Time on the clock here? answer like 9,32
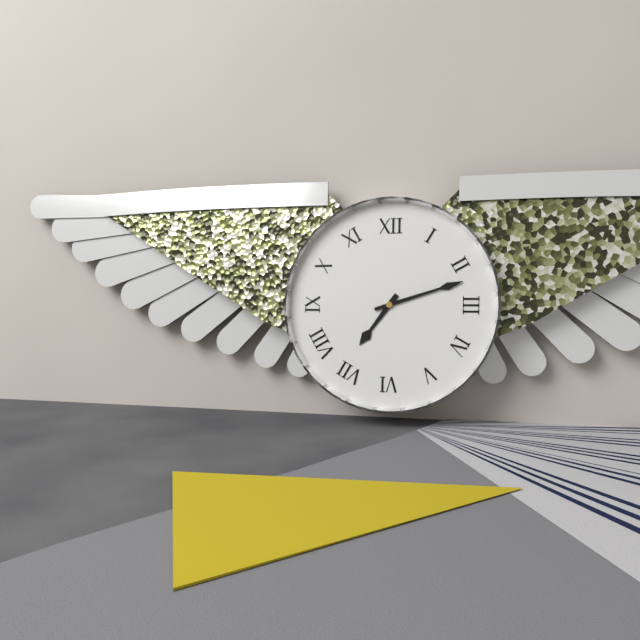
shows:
7,12
